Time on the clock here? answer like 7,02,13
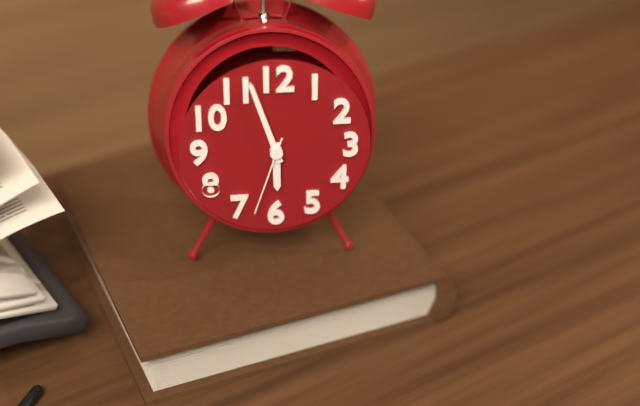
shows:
5,57,33
